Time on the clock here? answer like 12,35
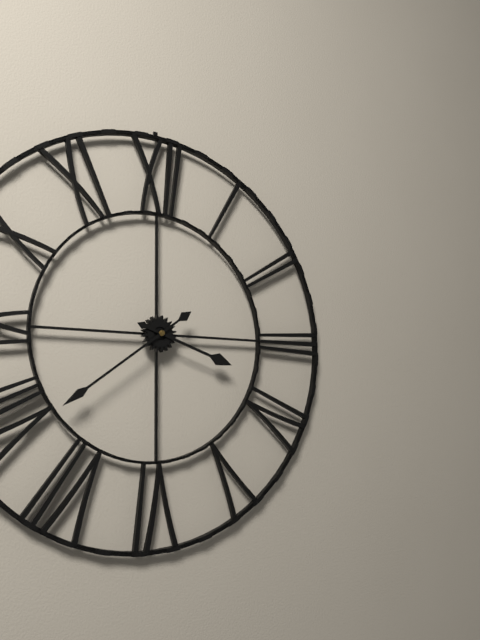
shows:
3,39
